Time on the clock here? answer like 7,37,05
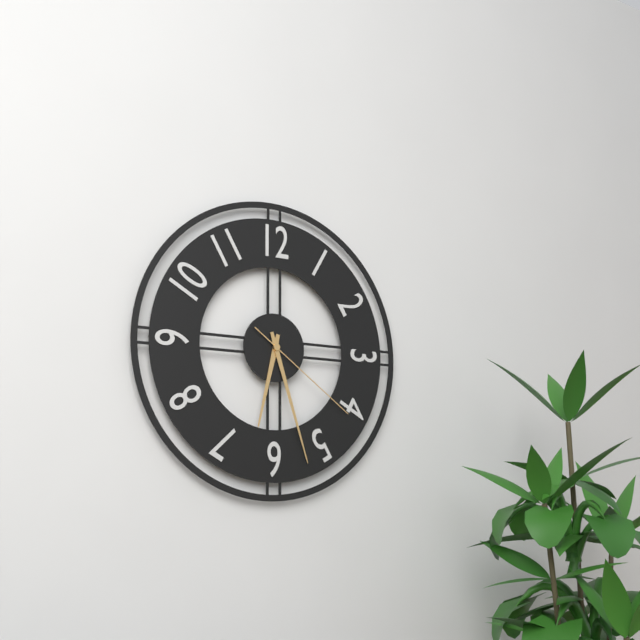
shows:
6,27,21
